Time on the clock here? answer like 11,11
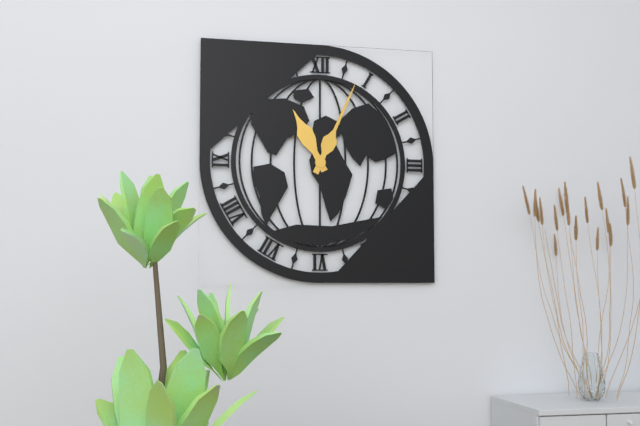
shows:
11,04
